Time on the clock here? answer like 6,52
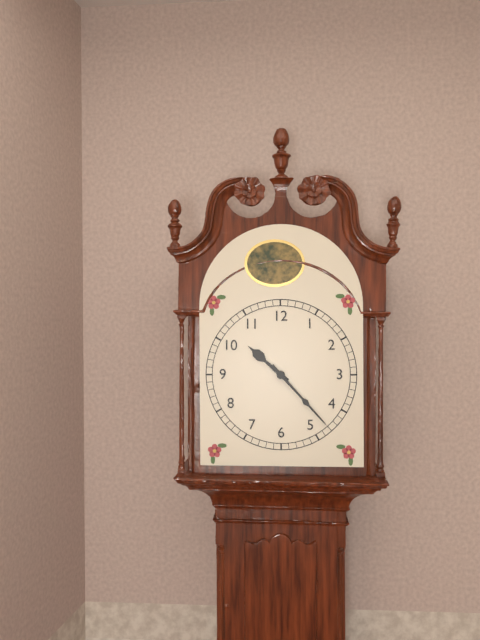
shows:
10,23
